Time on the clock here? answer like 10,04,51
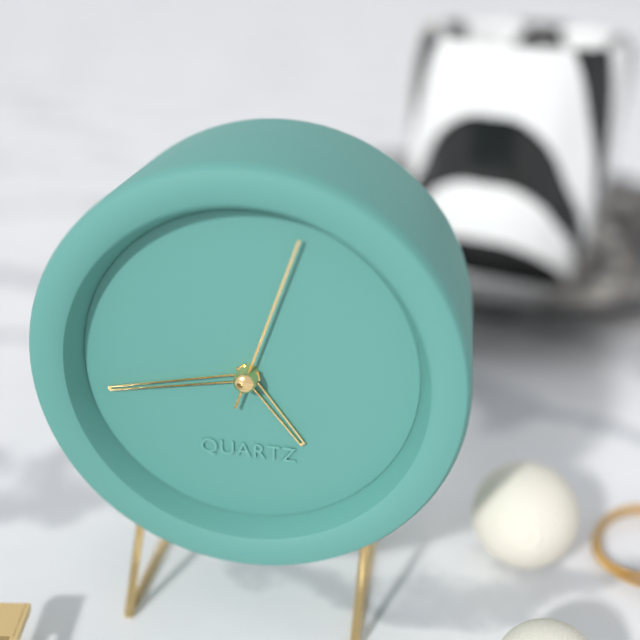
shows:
4,43,03
